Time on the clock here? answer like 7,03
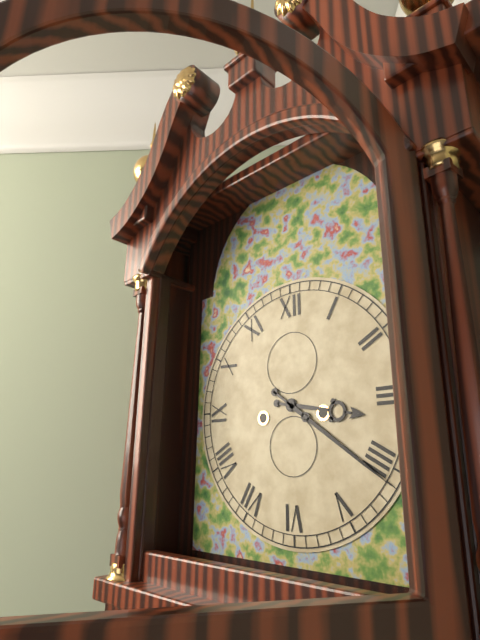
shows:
3,21
